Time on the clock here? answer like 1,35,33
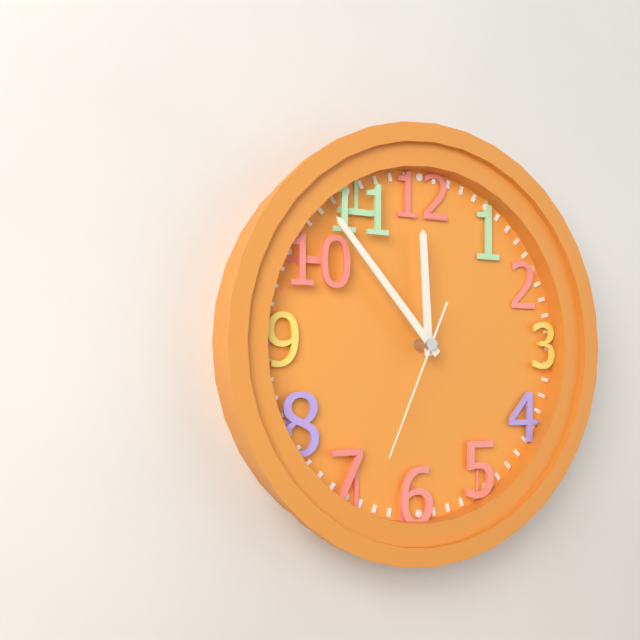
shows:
11,53,34
